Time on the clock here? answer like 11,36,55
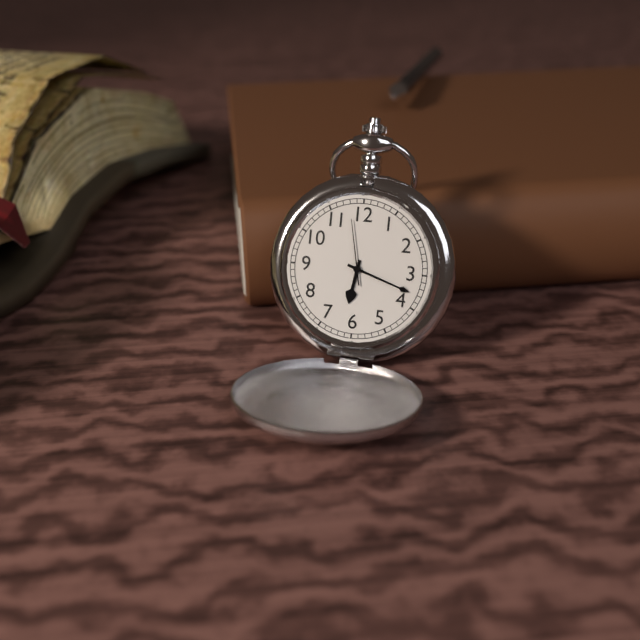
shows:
6,18,58
